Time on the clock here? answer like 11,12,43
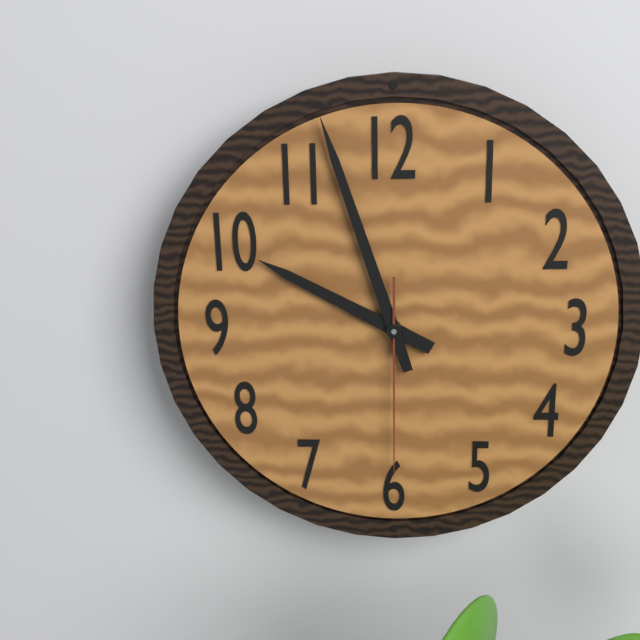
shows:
9,57,30
